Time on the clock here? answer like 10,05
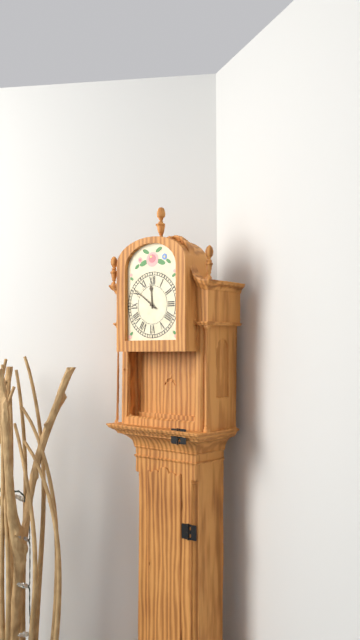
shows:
11,51
